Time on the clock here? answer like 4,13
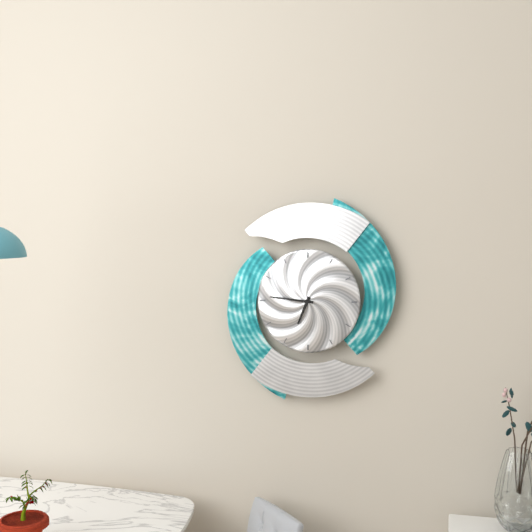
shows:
6,46
